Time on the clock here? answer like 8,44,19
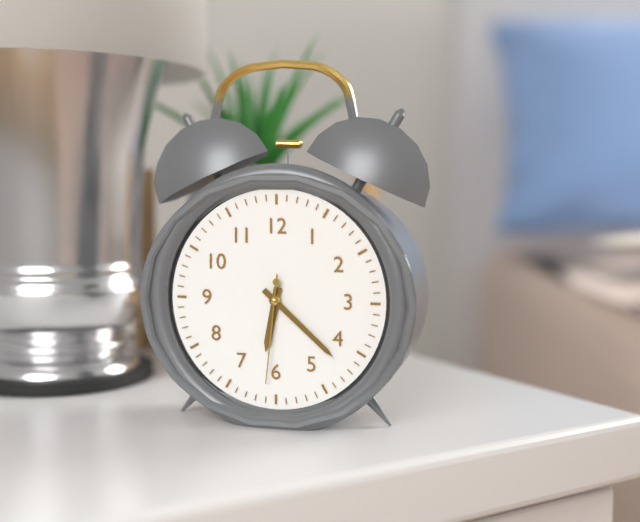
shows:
6,22,31
